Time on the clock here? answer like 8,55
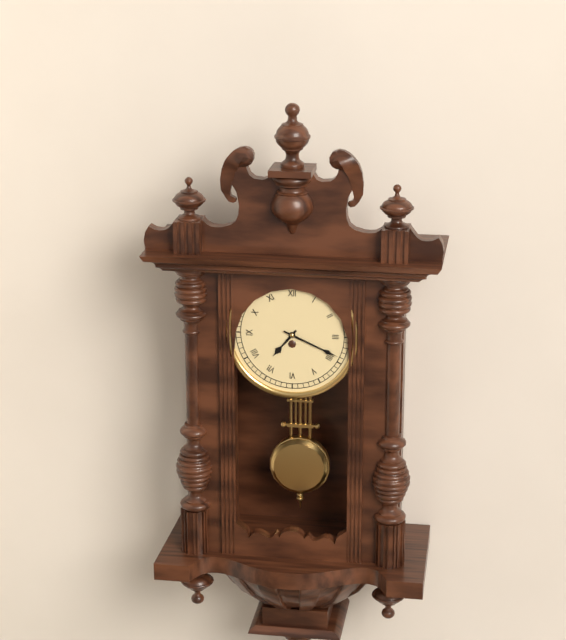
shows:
7,19
